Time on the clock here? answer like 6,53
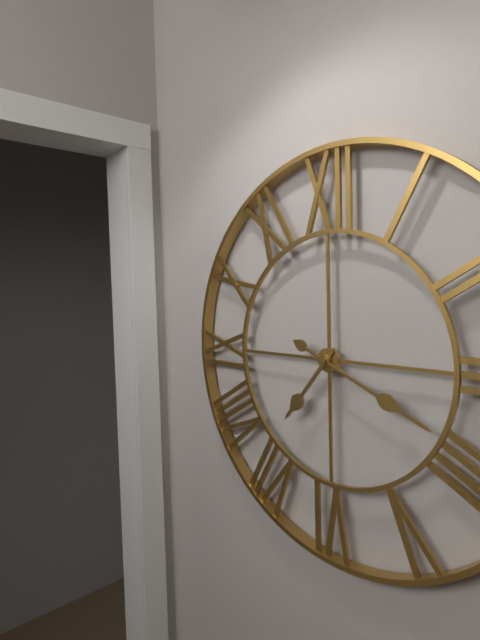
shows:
7,19
